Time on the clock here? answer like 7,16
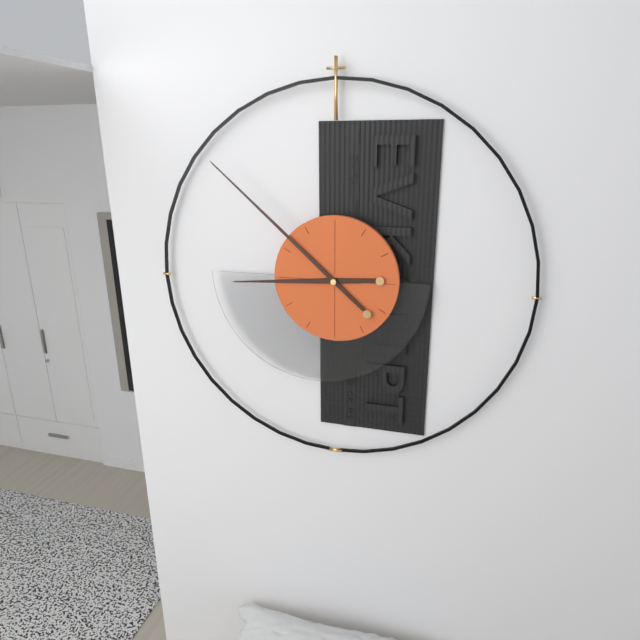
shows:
8,52
